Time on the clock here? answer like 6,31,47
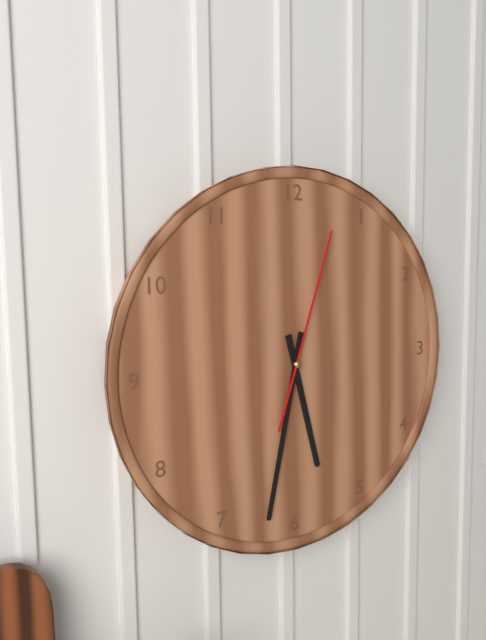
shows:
5,32,03
